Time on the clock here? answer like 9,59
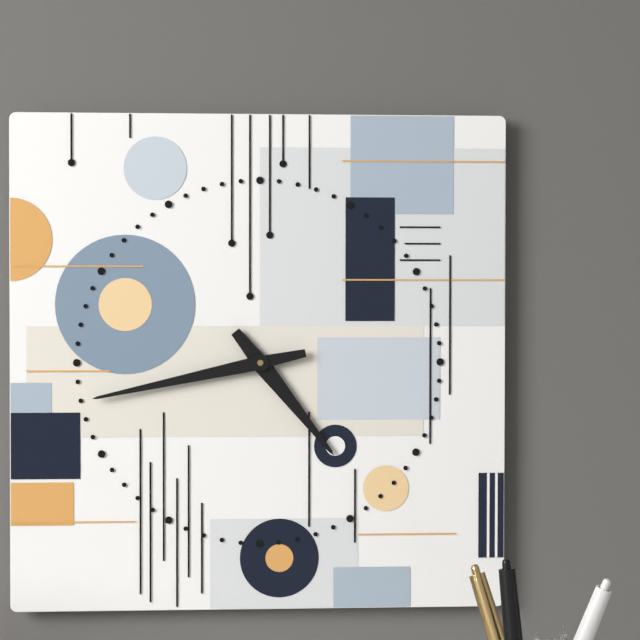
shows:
4,43
